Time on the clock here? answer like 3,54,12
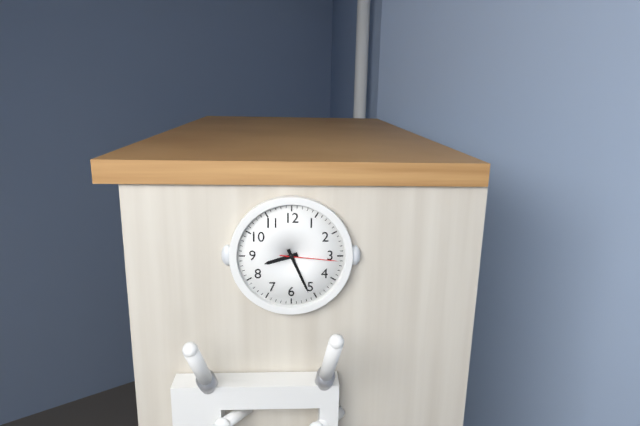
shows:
8,26,16
